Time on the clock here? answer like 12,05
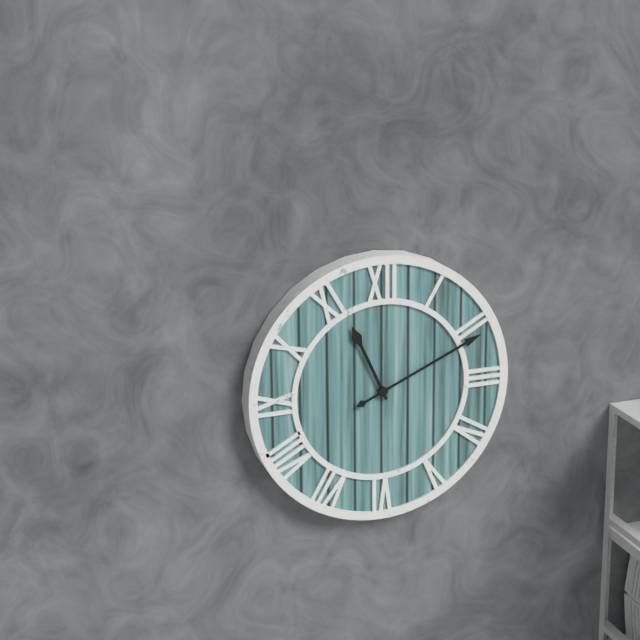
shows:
11,11
